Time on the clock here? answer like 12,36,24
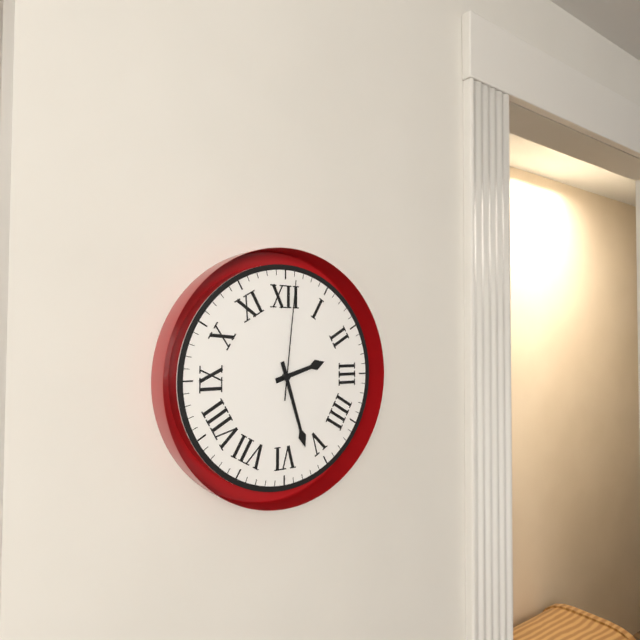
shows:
2,27,01
